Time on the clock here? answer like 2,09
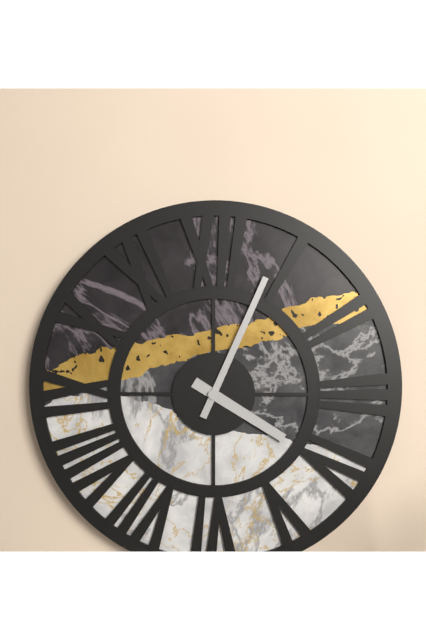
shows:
4,04
